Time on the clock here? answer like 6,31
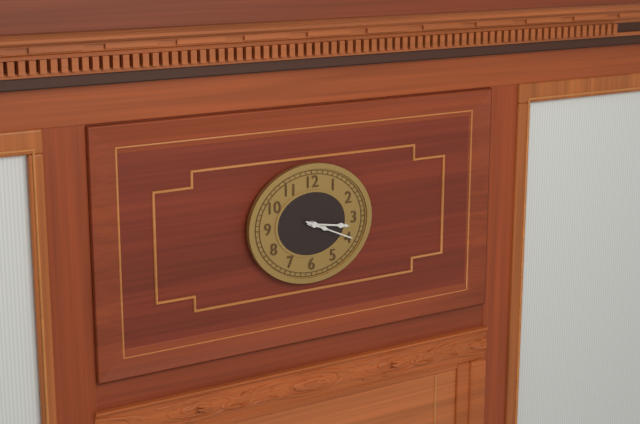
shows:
3,19
